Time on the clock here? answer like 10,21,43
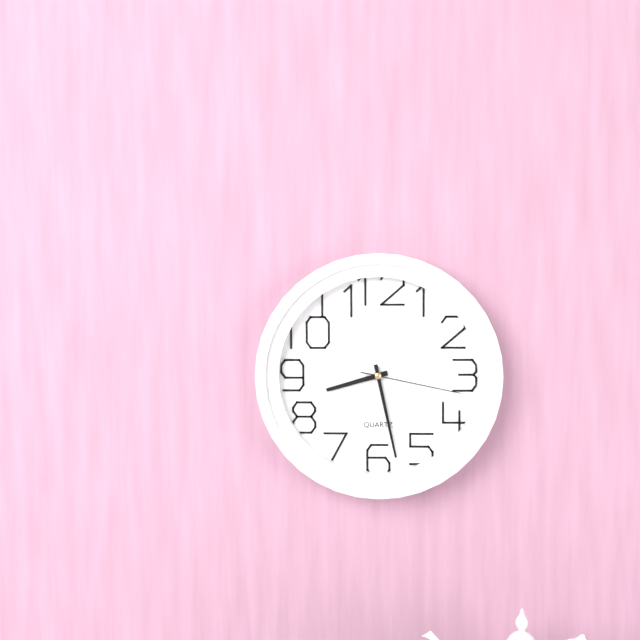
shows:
8,28,17
